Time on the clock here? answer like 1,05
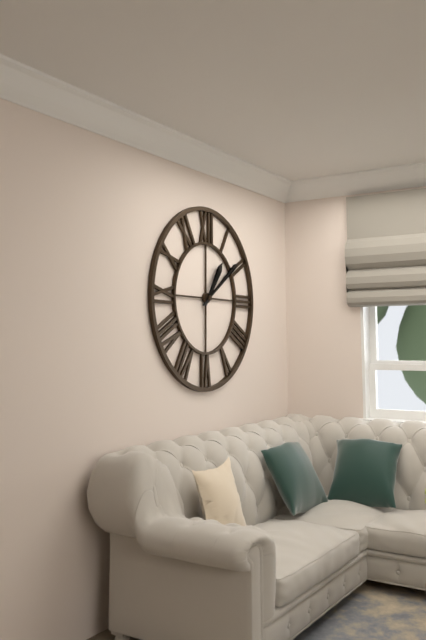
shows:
1,09
